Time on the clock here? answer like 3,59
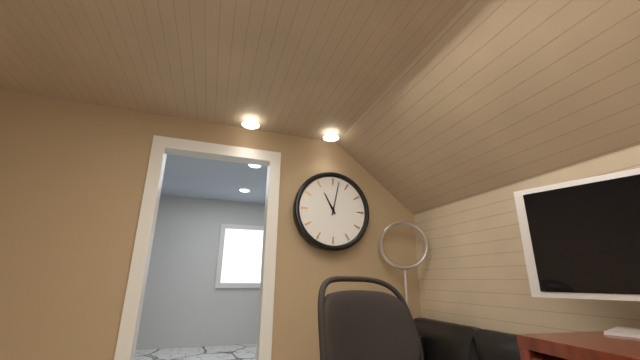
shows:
11,02
